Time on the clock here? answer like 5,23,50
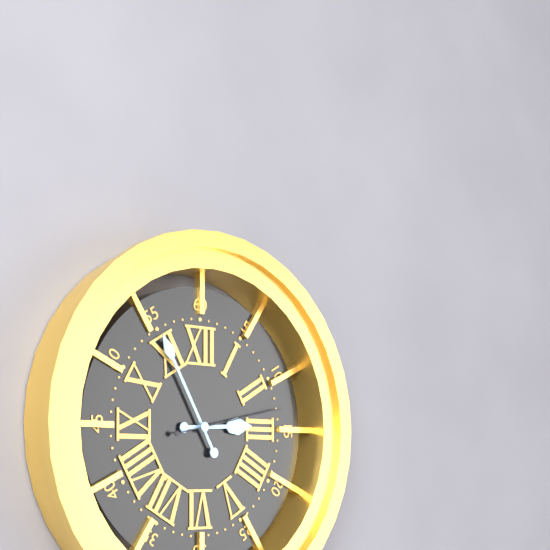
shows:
2,55,13
